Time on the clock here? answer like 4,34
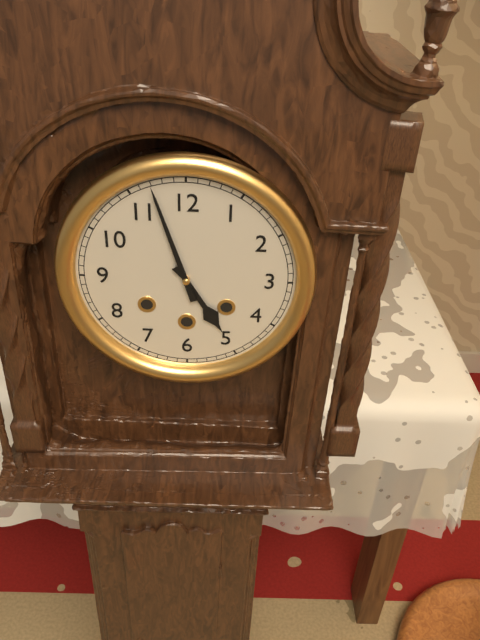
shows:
4,57
